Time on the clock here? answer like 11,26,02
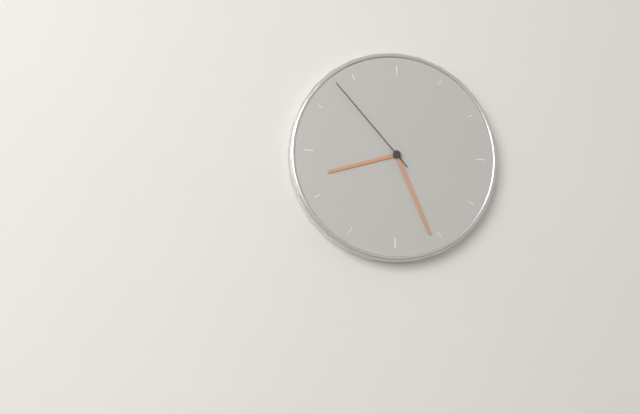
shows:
8,26,53
